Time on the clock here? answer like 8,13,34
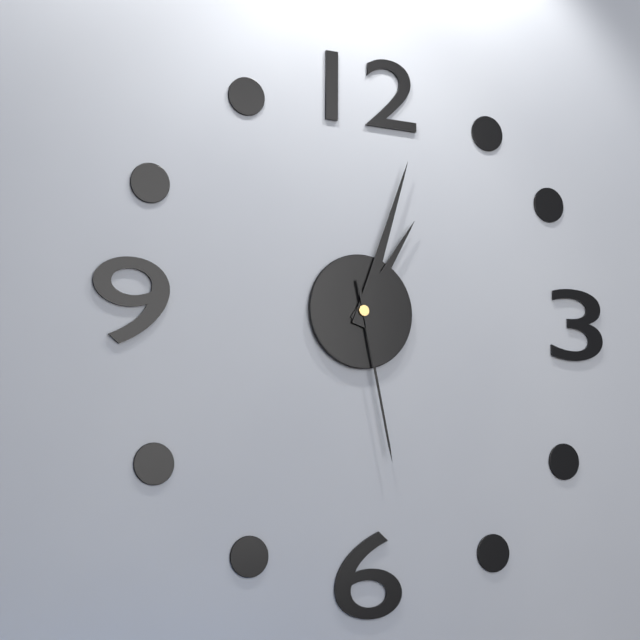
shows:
1,03,28
